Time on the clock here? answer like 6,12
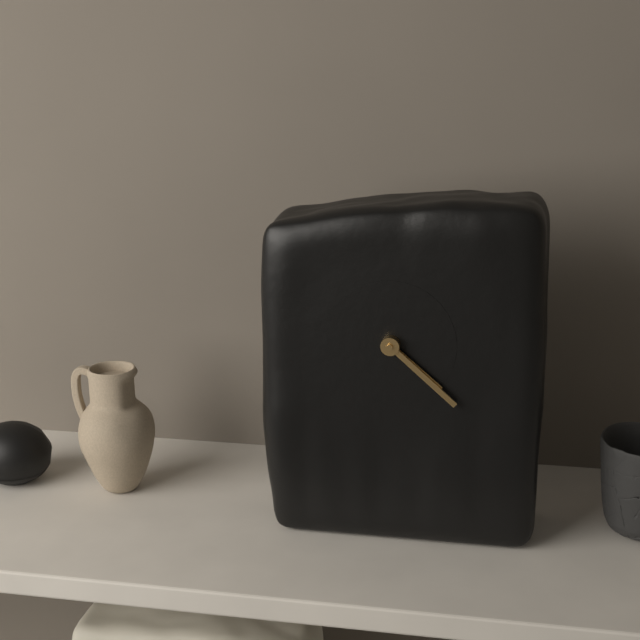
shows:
4,22
